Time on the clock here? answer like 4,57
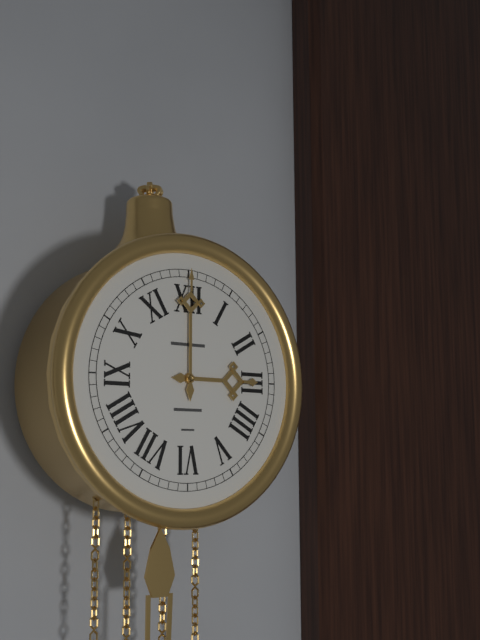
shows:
3,00
